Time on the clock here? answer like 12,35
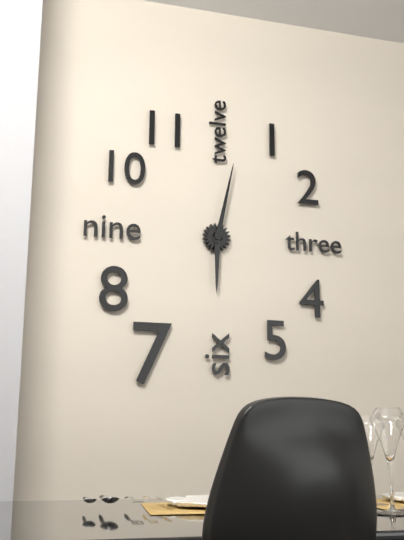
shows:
6,02
